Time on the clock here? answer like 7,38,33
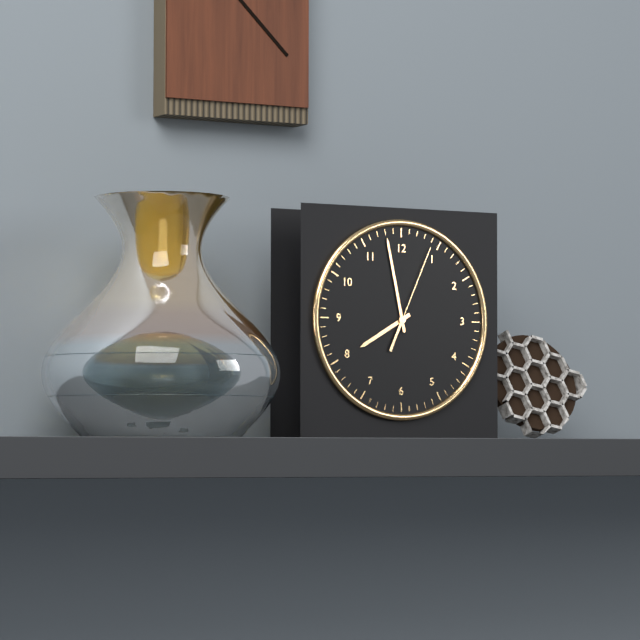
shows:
7,58,04
